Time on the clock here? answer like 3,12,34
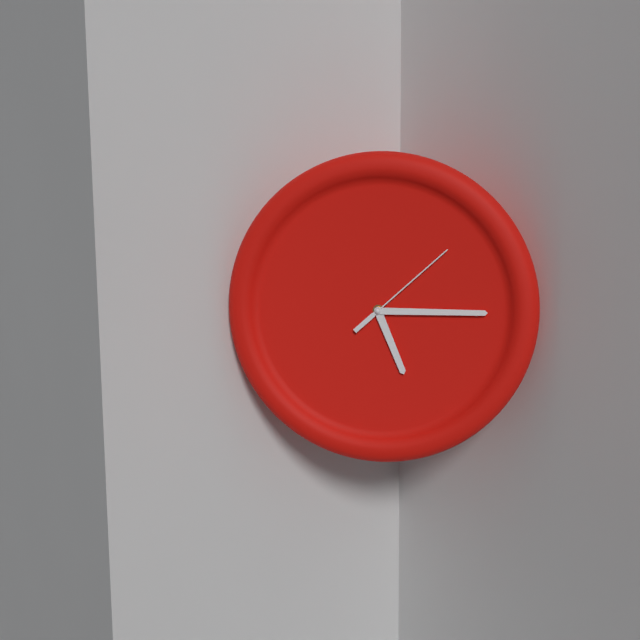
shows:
5,15,08
